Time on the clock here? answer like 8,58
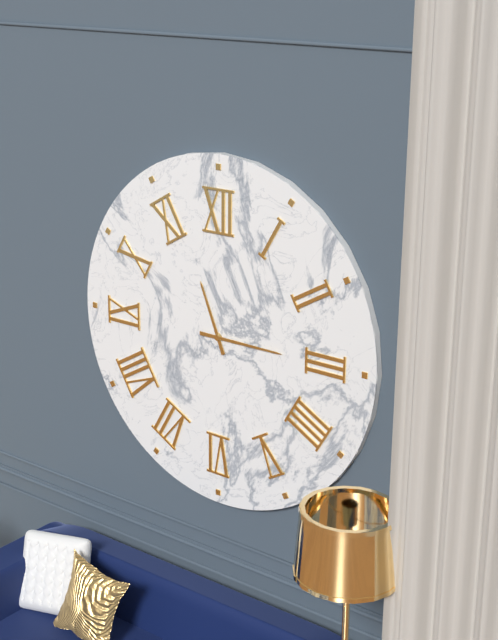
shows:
11,15
